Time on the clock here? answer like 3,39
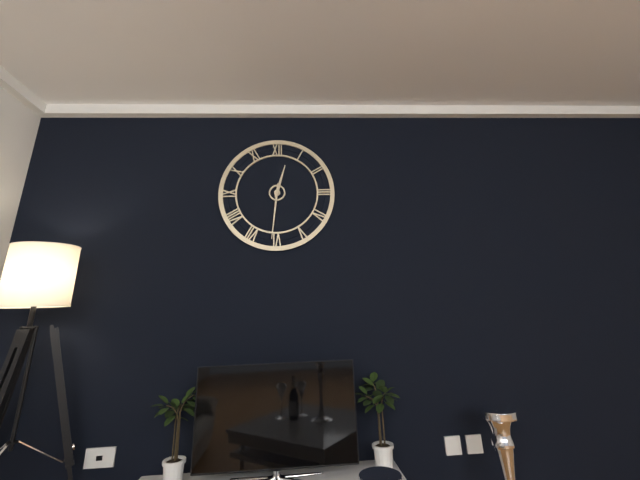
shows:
12,31
